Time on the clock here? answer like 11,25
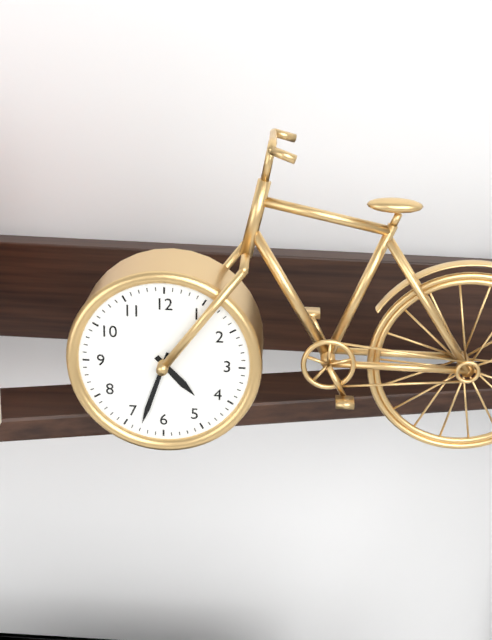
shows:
4,33
